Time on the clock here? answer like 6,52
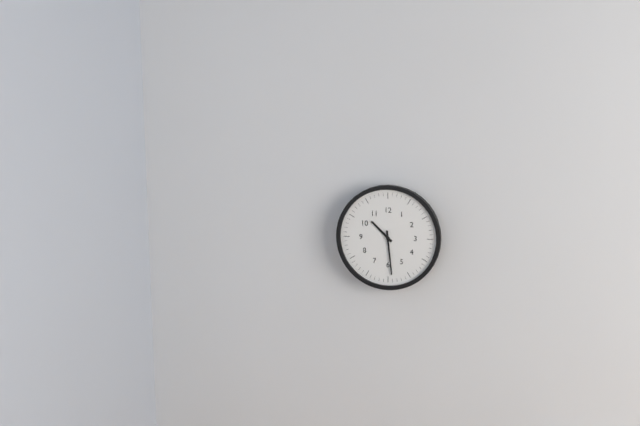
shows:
10,29
